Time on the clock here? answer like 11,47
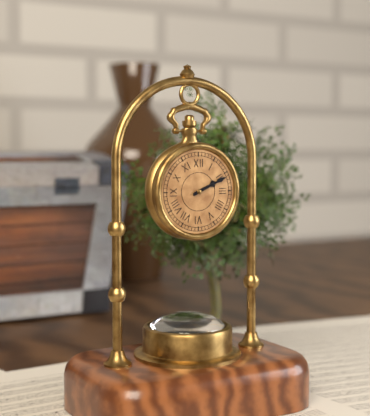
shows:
2,11
